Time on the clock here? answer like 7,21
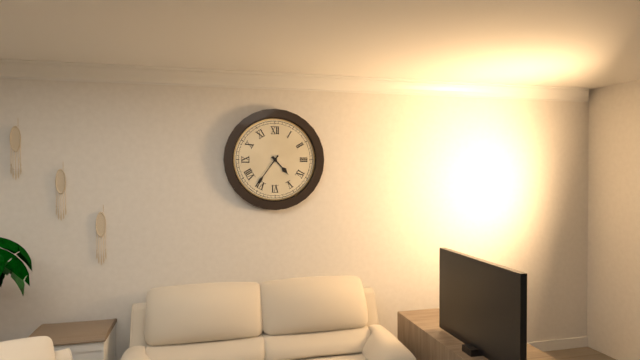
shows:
4,36
